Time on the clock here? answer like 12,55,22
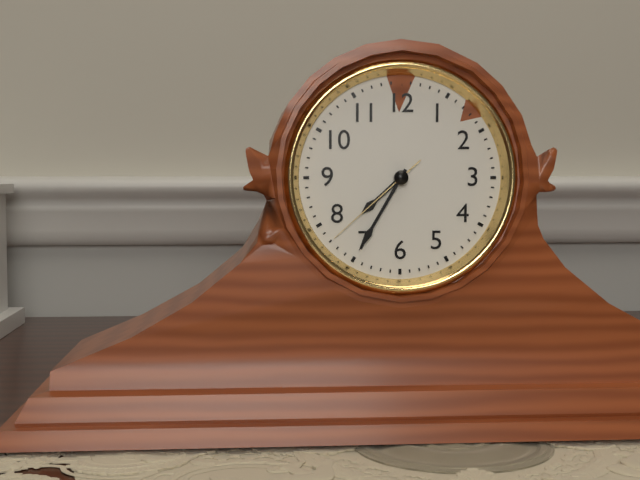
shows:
7,35,38
